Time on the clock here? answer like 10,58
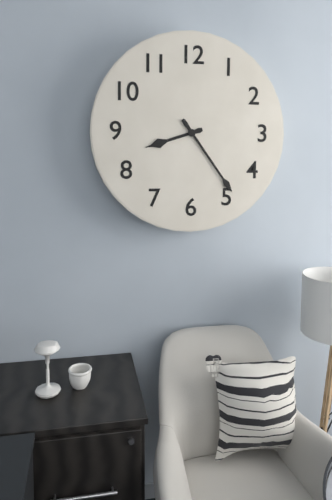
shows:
8,24
